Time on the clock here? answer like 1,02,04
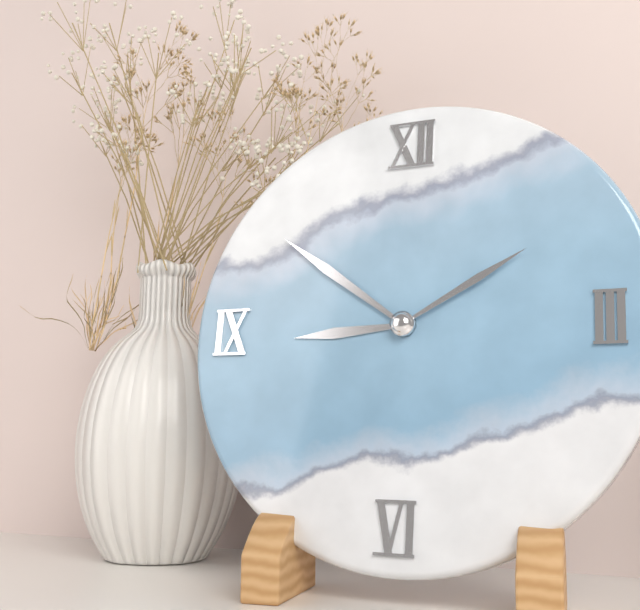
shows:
8,51,10
